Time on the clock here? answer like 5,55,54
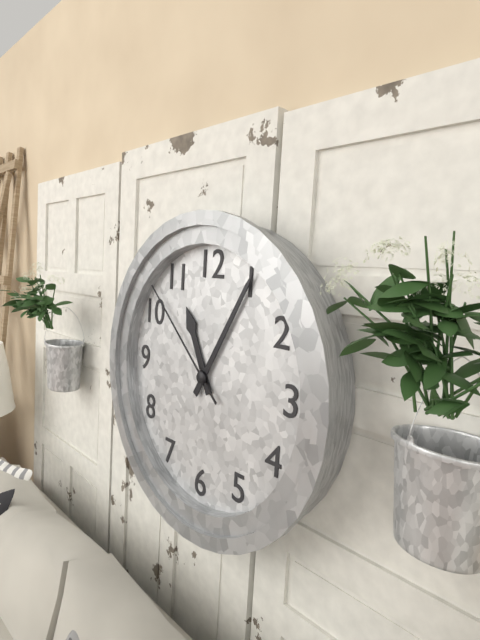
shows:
11,05,52
